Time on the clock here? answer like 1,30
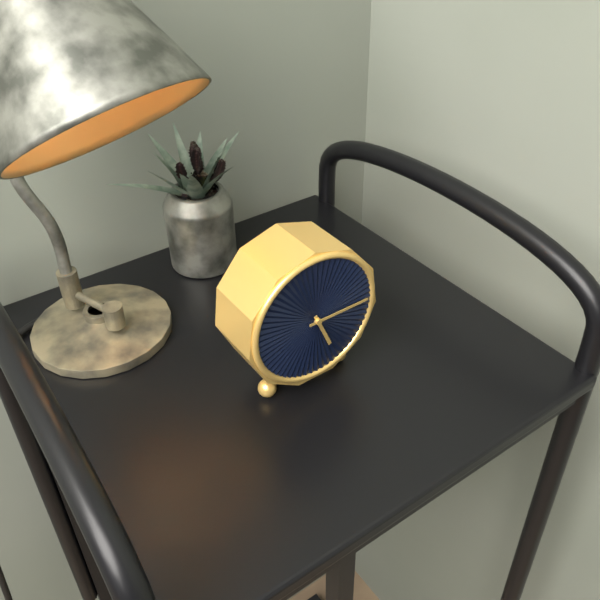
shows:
5,15
